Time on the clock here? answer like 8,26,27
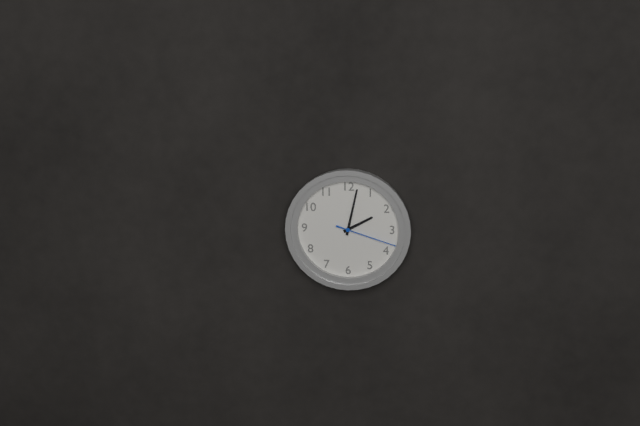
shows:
2,02,18
